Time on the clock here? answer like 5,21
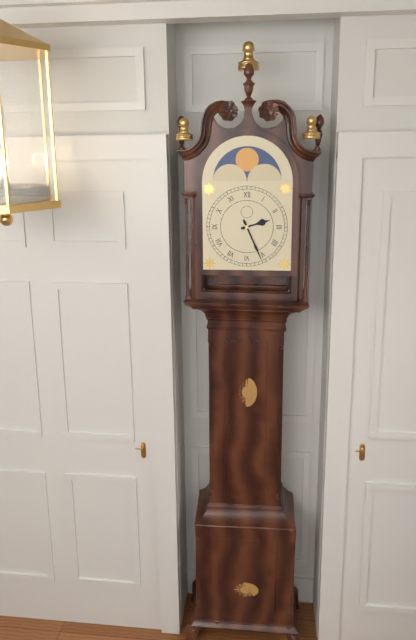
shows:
2,26
